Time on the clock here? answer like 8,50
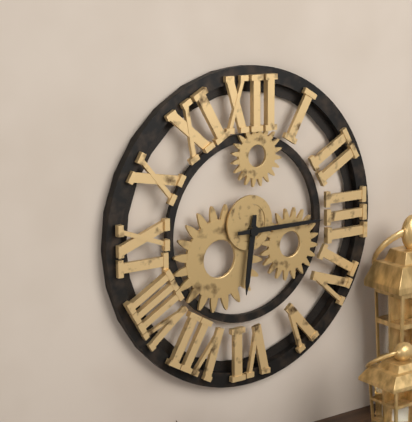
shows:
6,15
